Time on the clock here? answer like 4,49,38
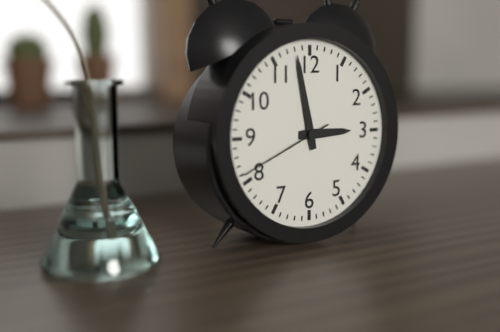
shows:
2,58,41
